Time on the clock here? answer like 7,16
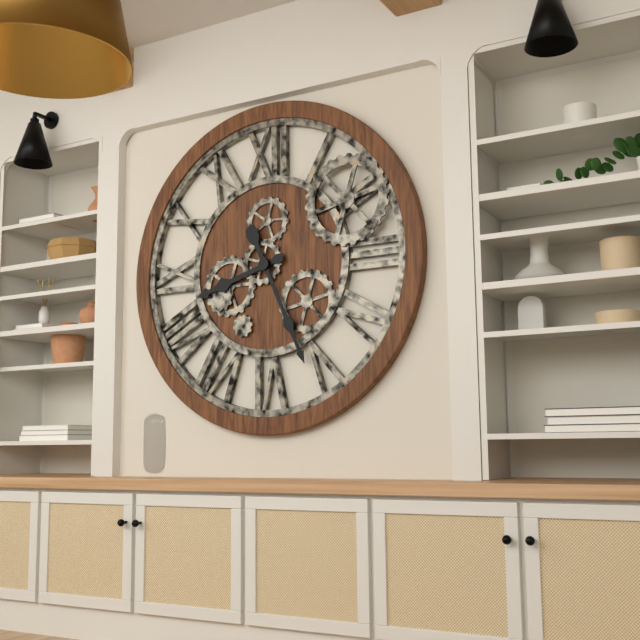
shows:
8,26
